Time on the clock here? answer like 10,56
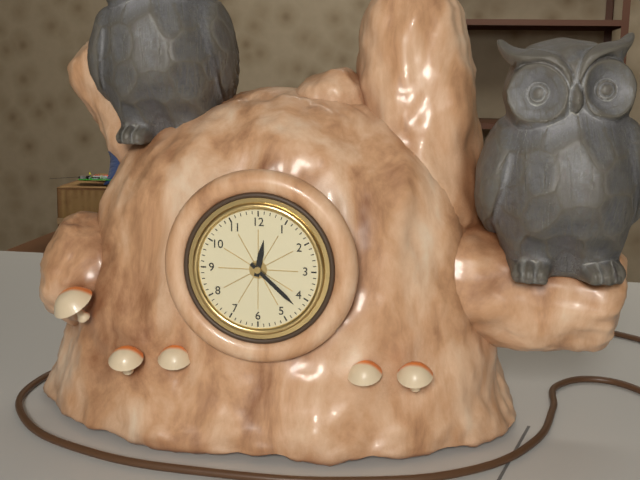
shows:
12,22
